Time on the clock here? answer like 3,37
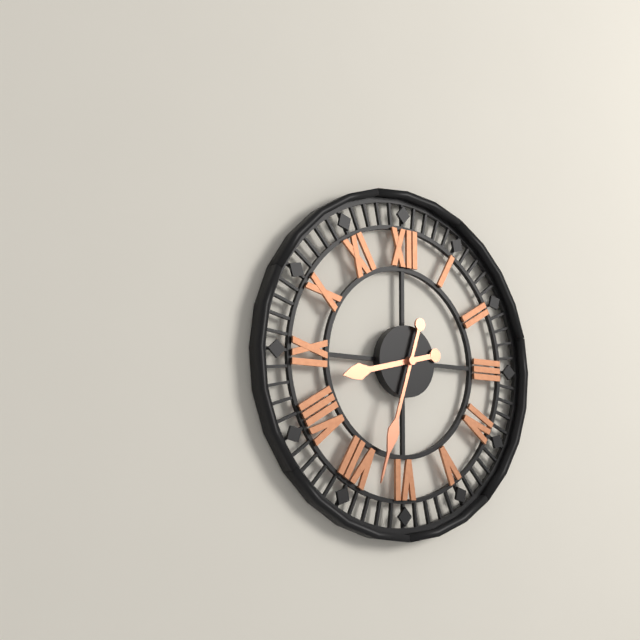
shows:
8,33
